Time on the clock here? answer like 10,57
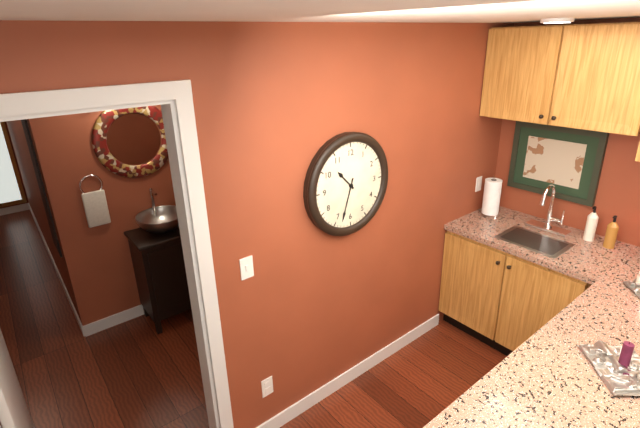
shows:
10,33
